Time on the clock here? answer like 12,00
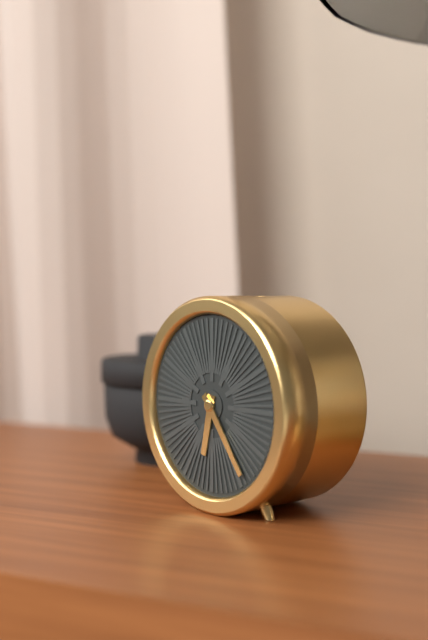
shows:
6,24
